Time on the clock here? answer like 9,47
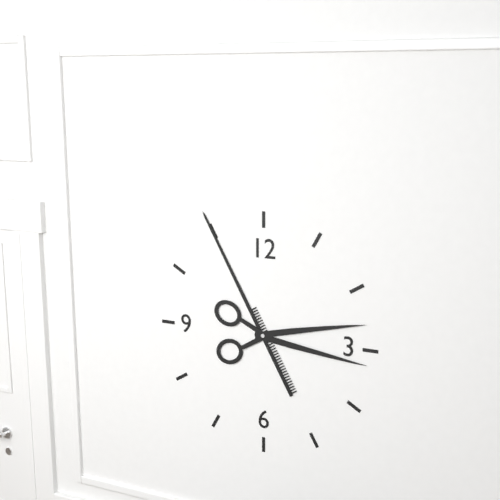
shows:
2,55
